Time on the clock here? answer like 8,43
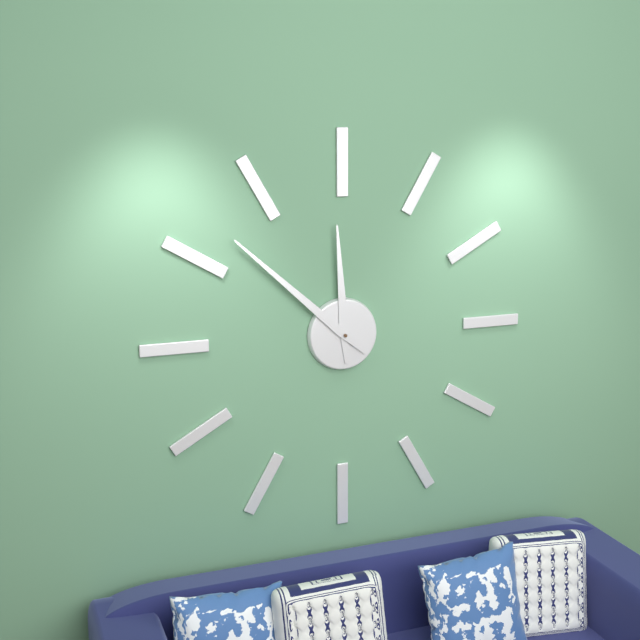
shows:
11,52
